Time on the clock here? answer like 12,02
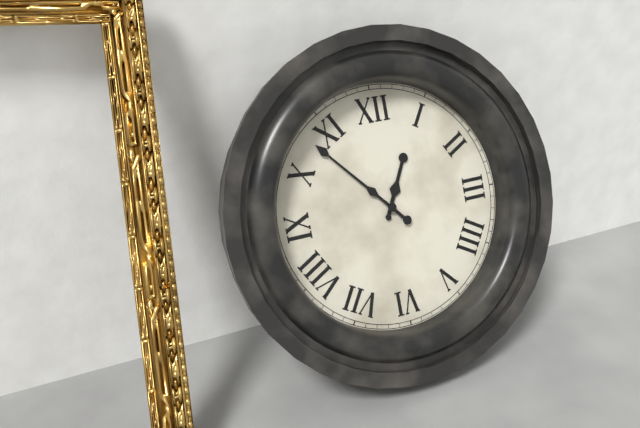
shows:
12,53
